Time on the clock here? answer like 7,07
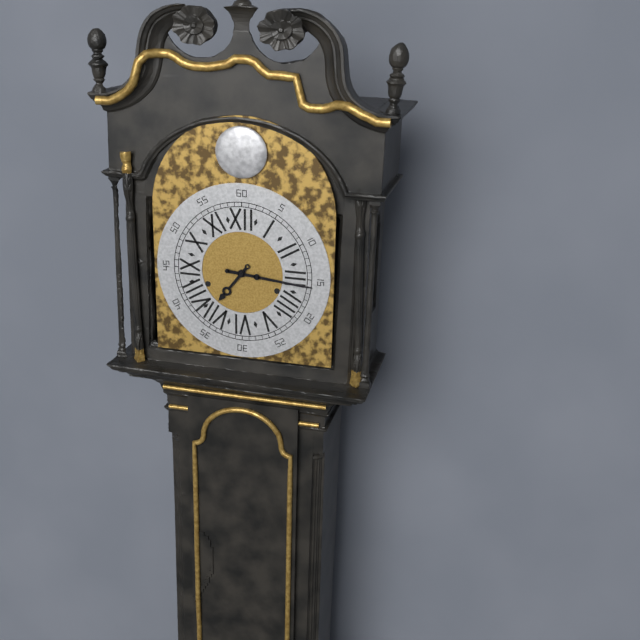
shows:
7,16
